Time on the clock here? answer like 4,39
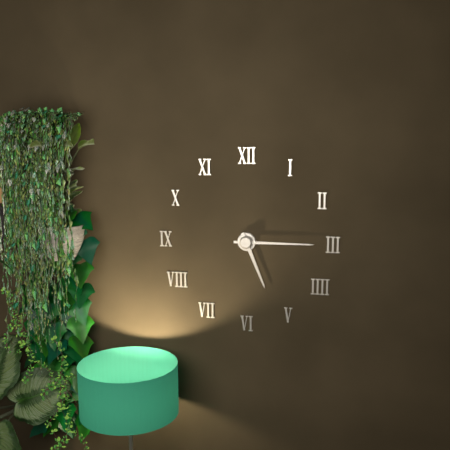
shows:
5,15
